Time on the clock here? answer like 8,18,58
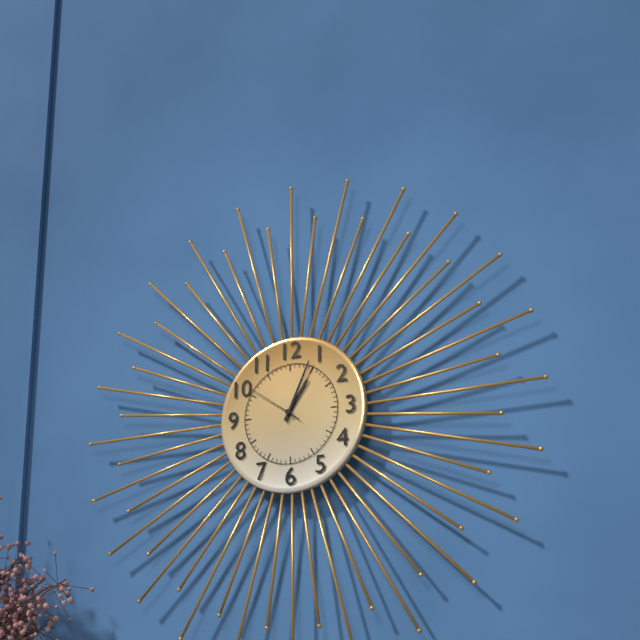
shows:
1,04,51
